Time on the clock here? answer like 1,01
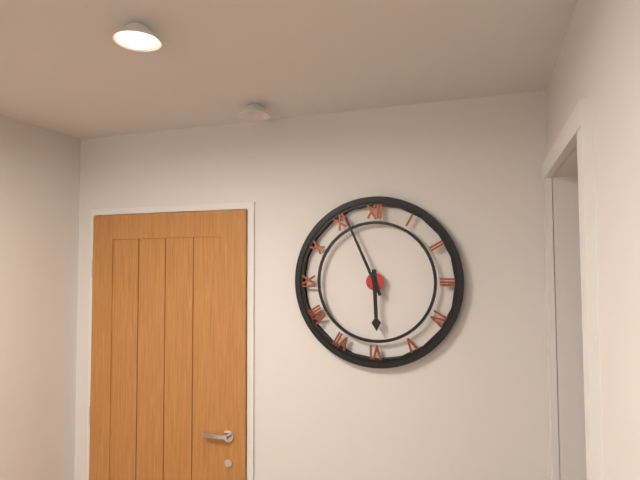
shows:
5,56
